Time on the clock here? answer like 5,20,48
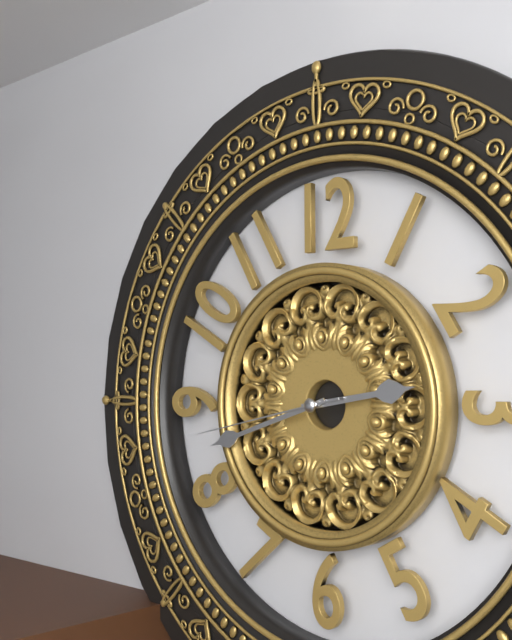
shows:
2,42,43
